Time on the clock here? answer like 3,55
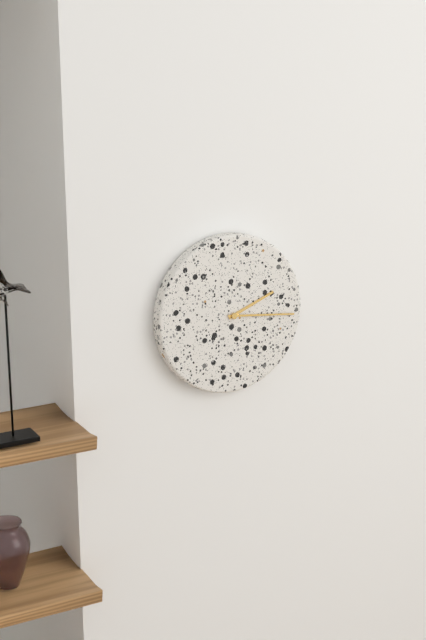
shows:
2,16
